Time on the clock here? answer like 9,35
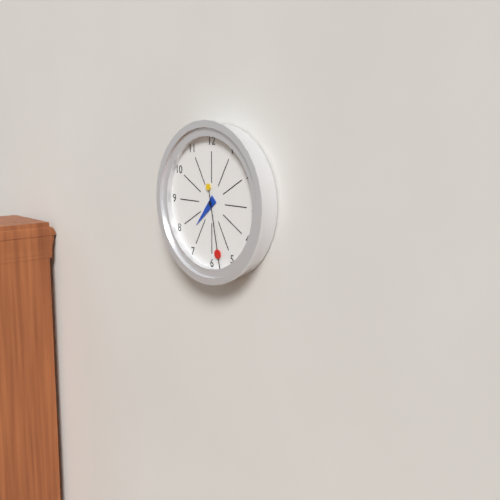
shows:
7,28
